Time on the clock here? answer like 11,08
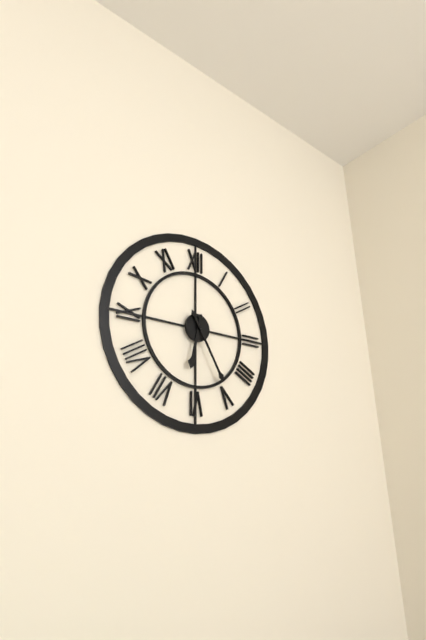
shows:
6,25
